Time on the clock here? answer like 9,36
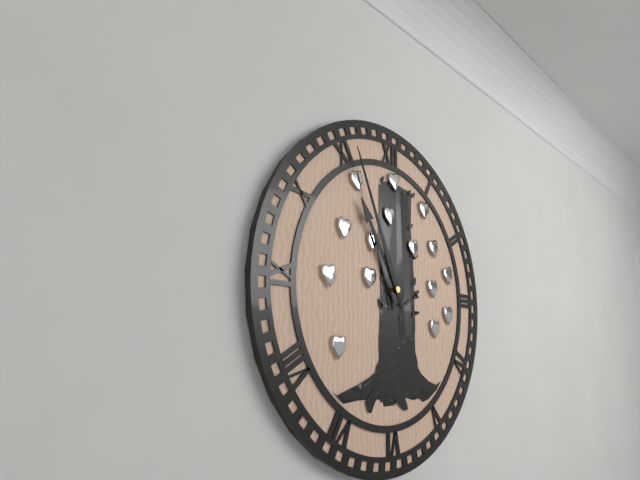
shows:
10,56
